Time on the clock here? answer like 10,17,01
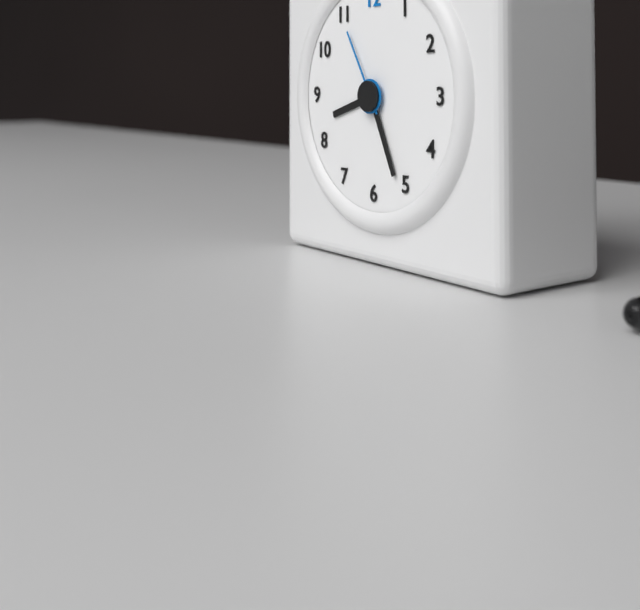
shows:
8,26,55
